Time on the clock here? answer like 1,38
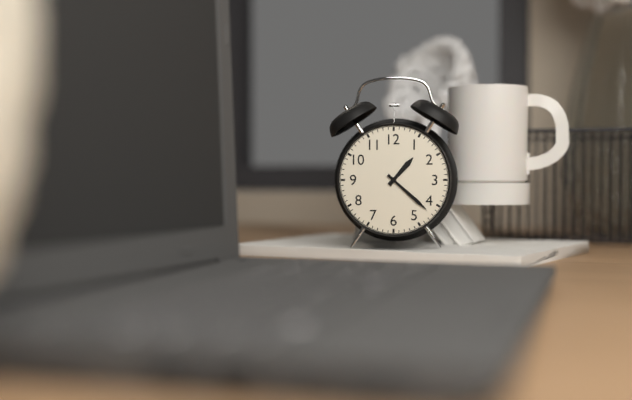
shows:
1,22
